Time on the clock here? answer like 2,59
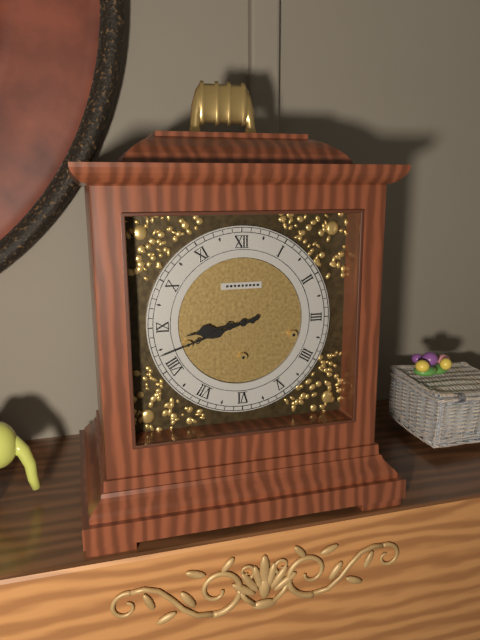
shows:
8,42
